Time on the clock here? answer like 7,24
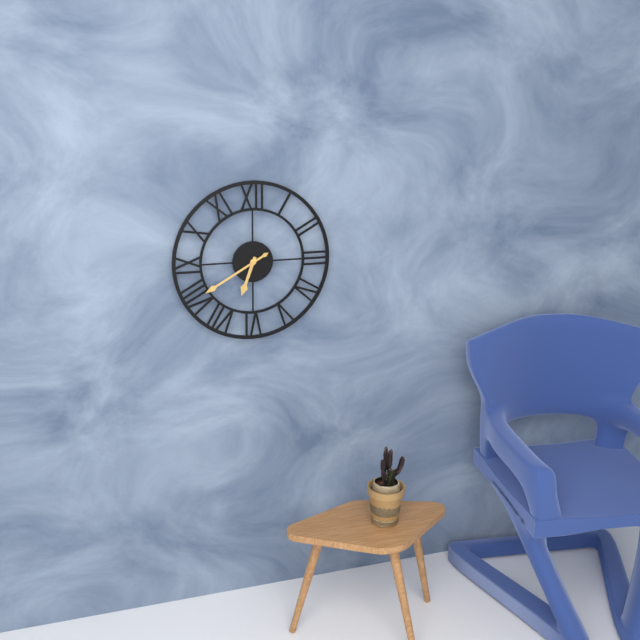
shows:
6,40
